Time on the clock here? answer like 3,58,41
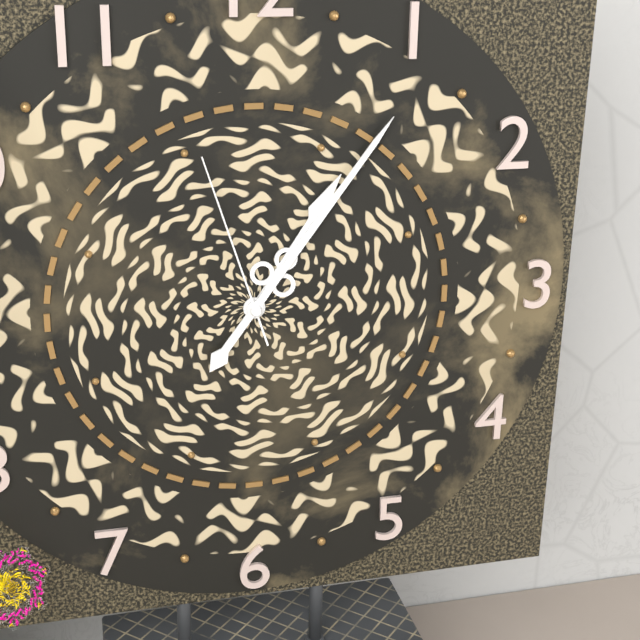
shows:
1,06,57
